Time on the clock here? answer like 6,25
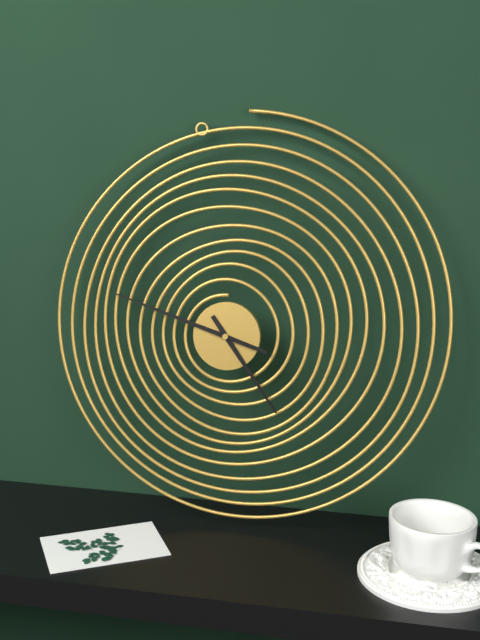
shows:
4,48
